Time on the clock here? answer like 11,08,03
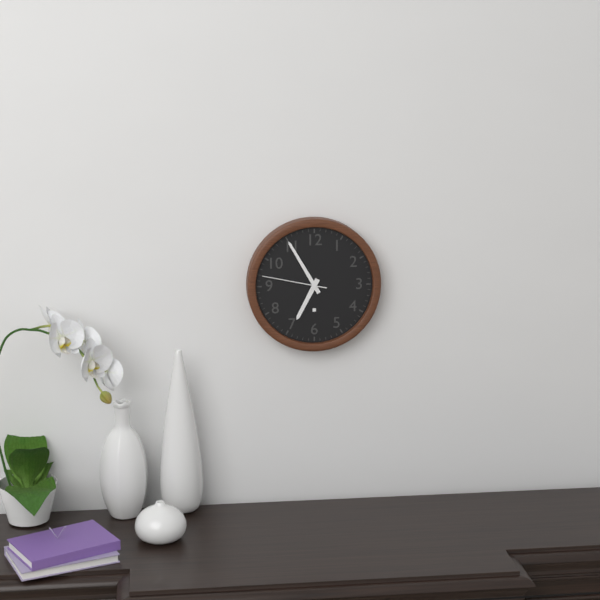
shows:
6,55,47
